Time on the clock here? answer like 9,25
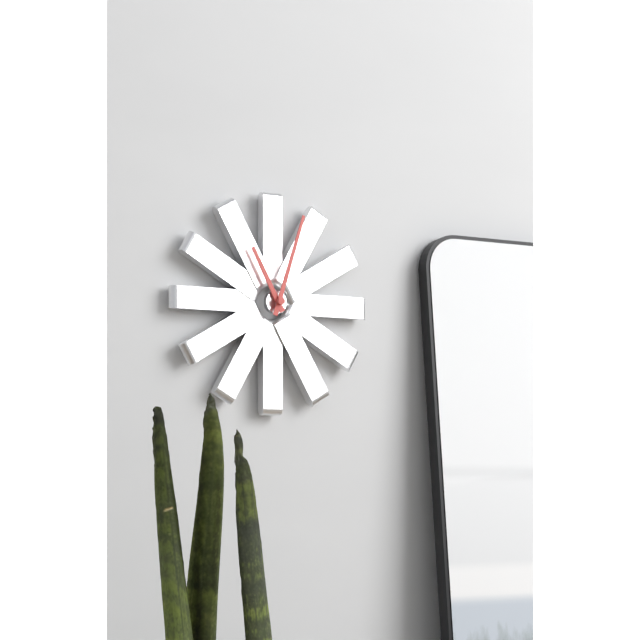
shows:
11,03
